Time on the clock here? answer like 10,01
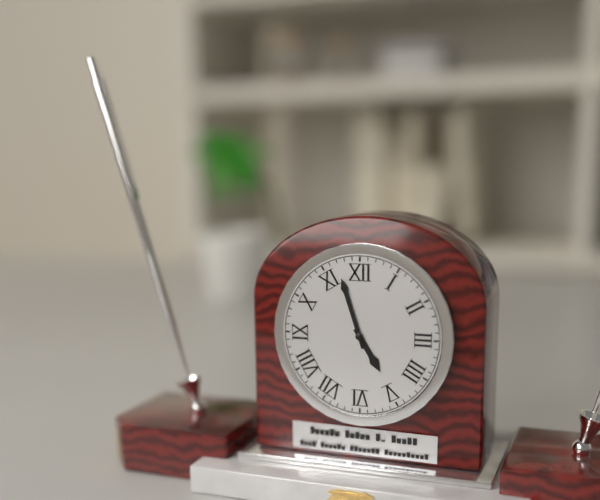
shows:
4,57
